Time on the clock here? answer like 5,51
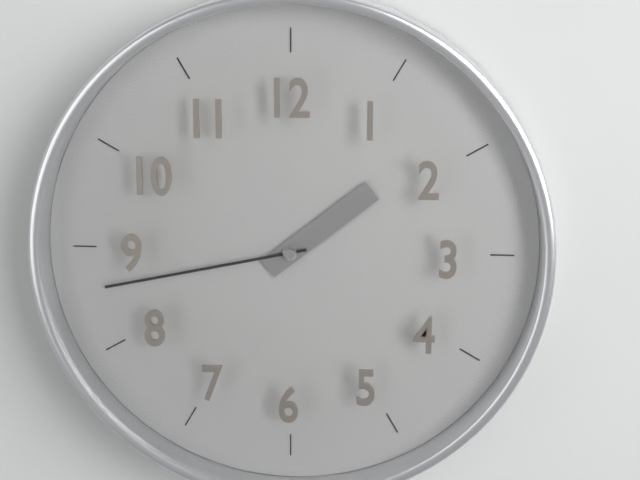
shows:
1,43
